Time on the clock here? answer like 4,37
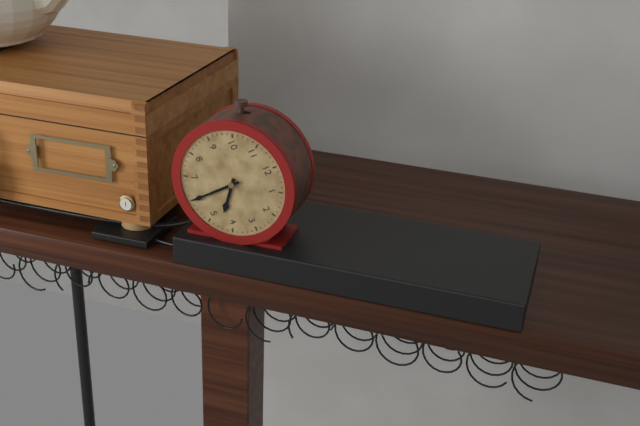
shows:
4,30
